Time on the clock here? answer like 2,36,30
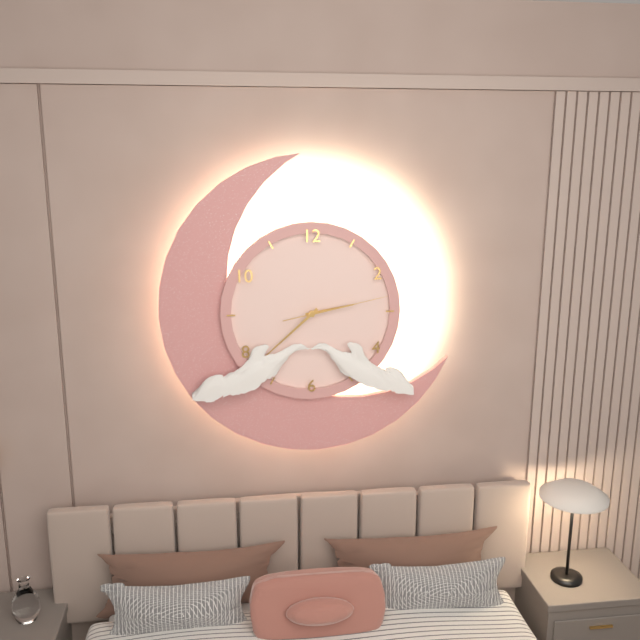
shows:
2,38,13
